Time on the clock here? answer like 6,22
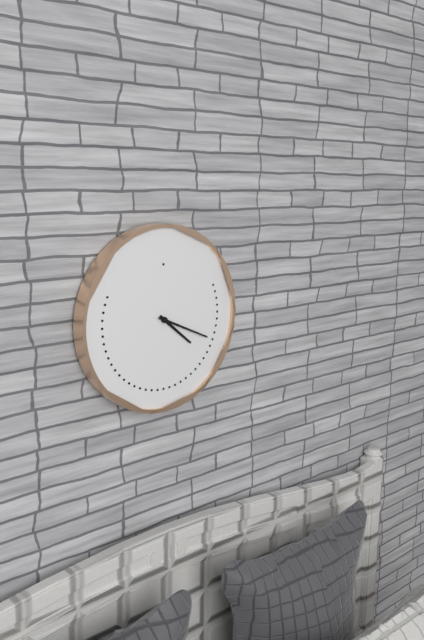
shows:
4,19
